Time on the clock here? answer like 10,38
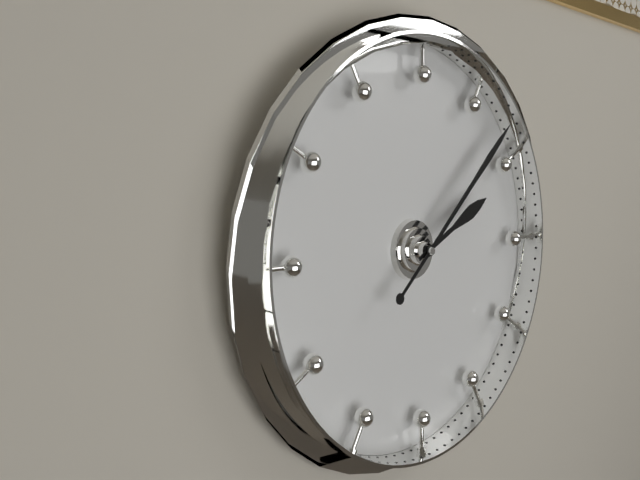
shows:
2,08
